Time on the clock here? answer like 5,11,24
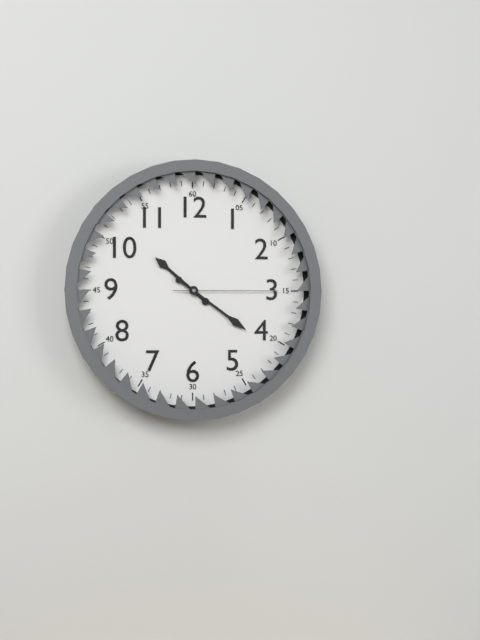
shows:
10,21,15
